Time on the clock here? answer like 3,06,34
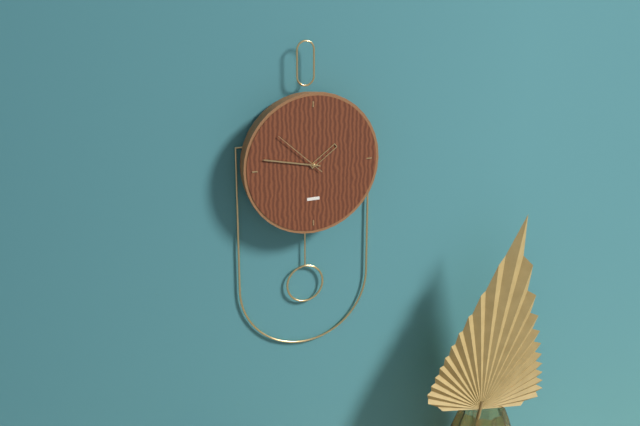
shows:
1,47,52
